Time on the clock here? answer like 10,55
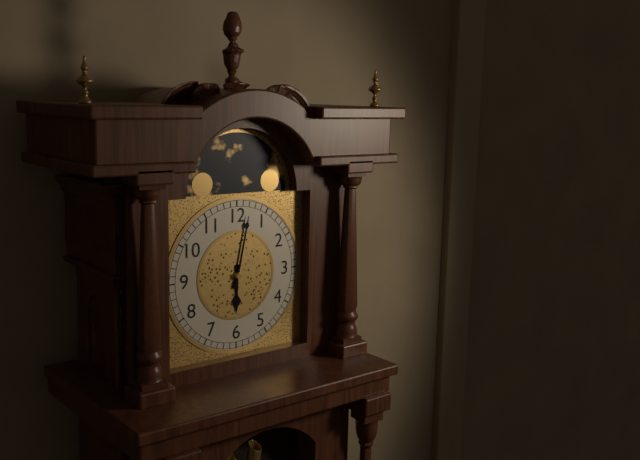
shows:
6,02
